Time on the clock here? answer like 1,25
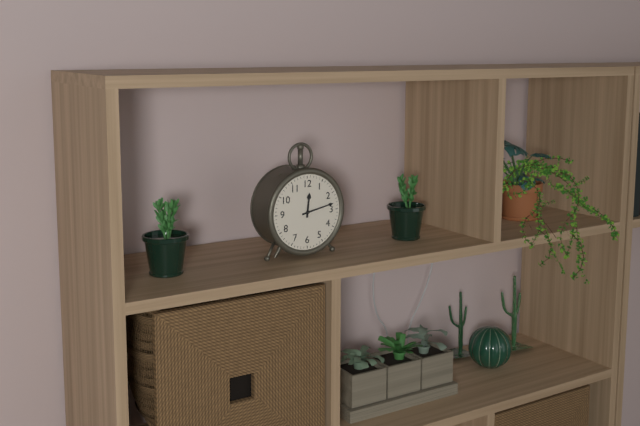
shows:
12,13
